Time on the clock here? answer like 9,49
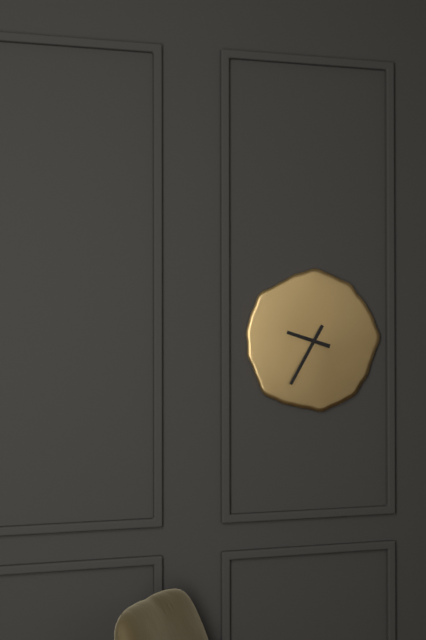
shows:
9,35
